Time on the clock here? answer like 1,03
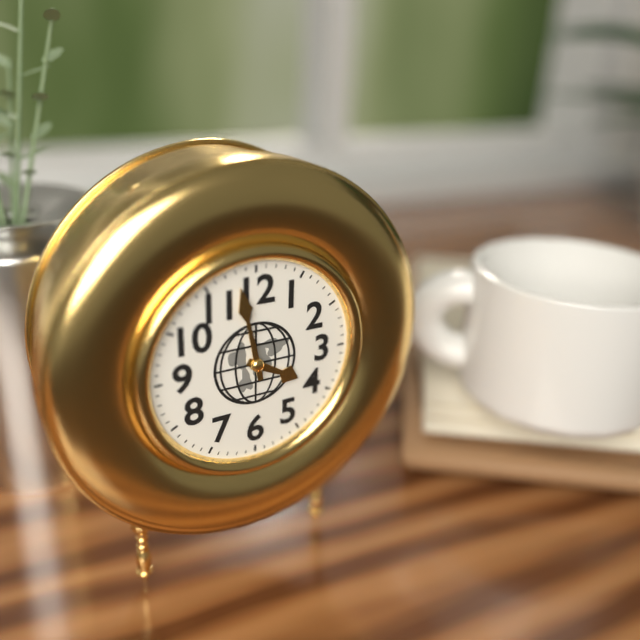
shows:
3,58
